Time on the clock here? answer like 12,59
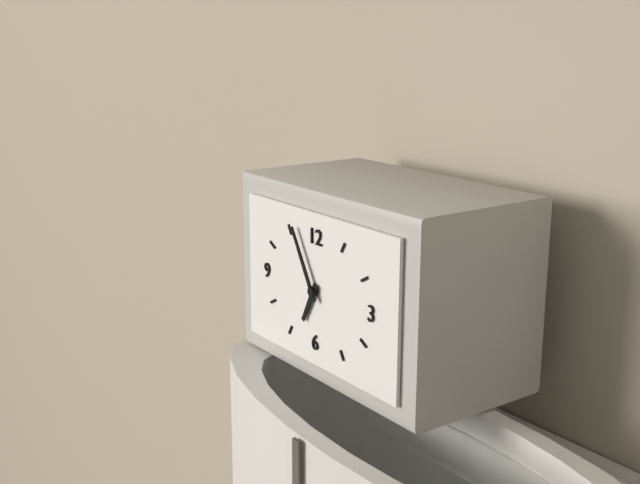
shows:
6,55
